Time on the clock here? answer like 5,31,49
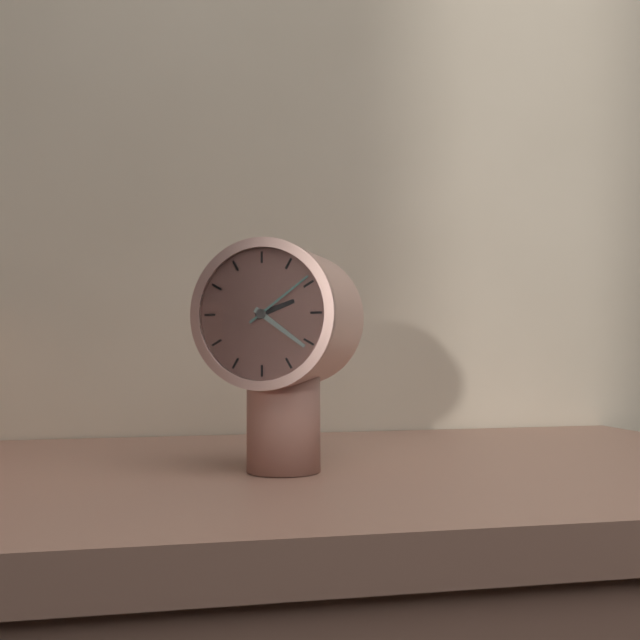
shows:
2,21,09
